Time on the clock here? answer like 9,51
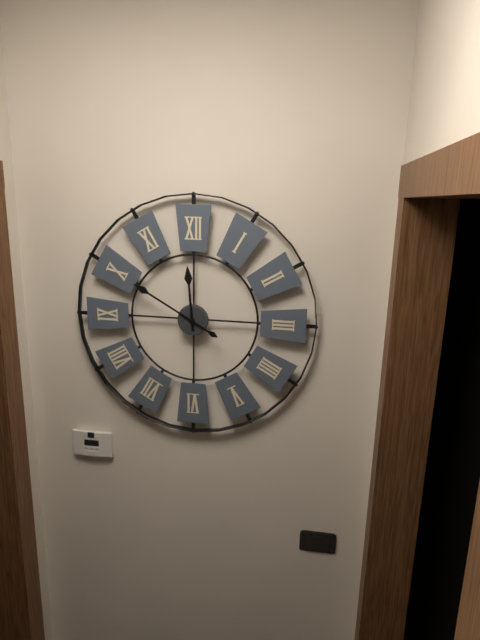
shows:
11,50
